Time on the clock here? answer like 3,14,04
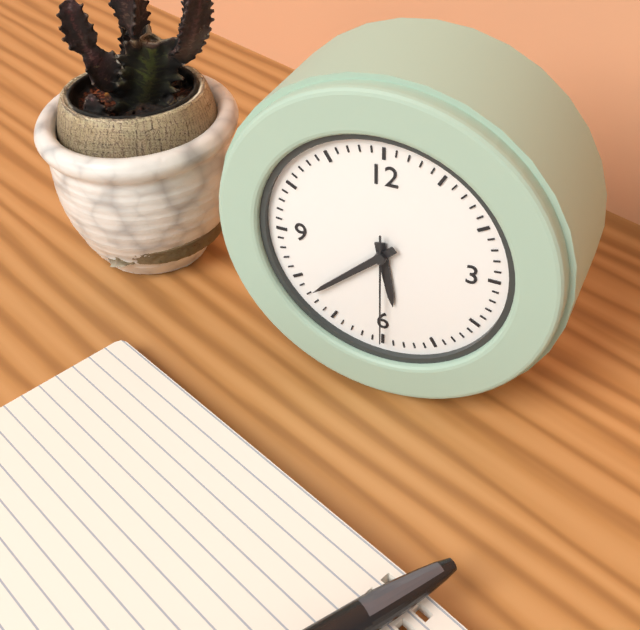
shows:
5,38,30
